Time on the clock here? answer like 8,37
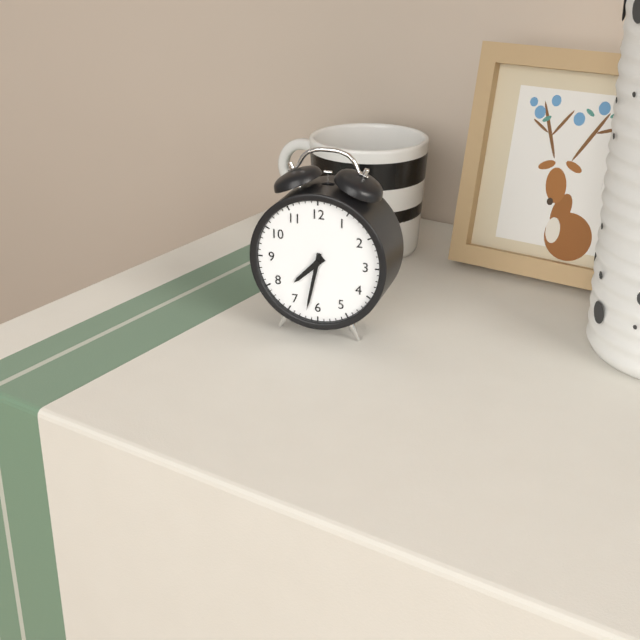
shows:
7,32
